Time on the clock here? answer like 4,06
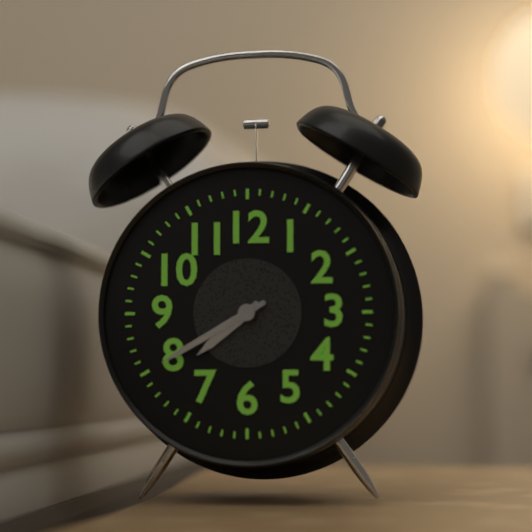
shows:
7,40
